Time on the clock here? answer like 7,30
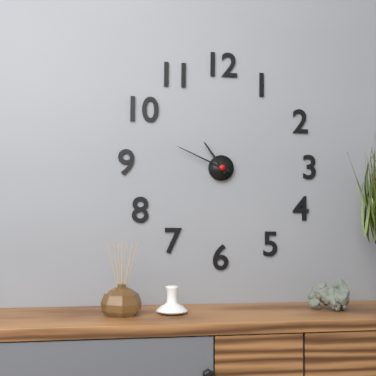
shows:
10,49
